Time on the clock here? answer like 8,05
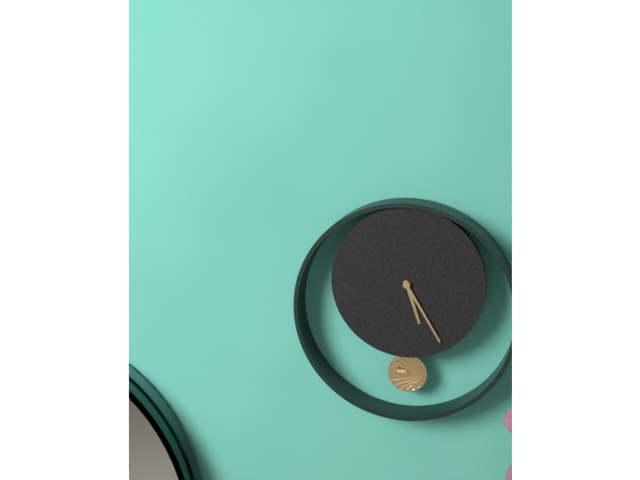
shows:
5,25
